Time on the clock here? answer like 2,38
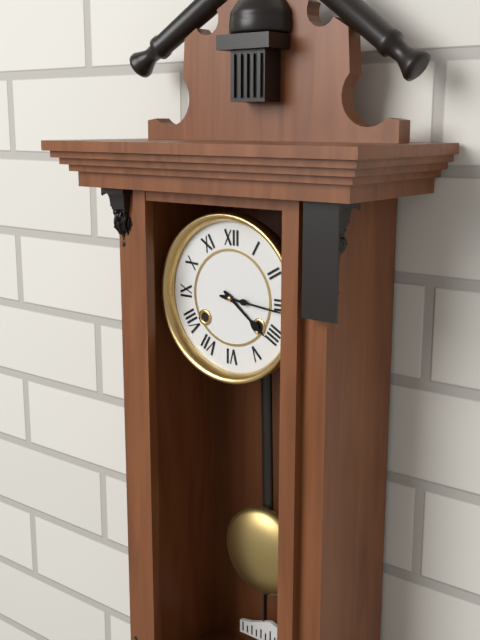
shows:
4,16
